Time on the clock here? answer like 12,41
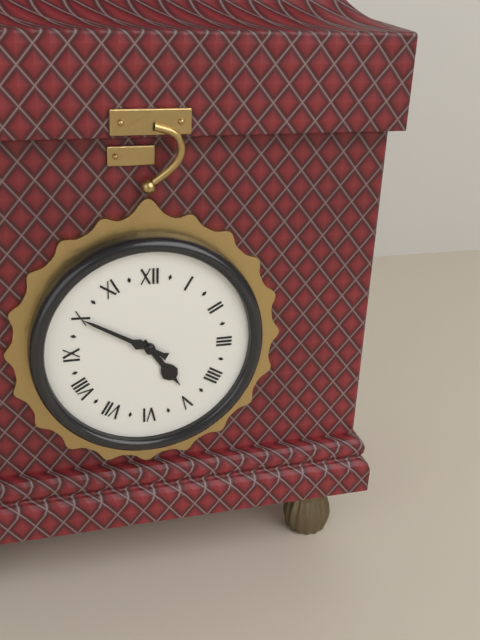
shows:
4,50
